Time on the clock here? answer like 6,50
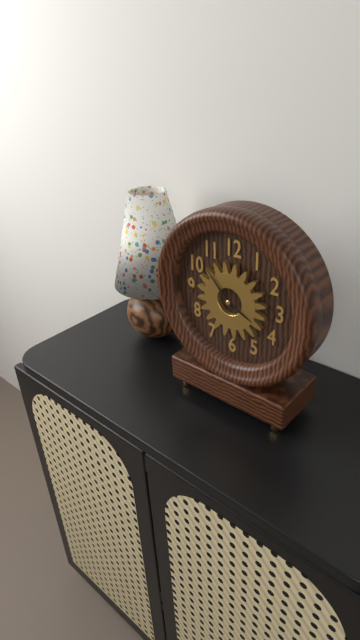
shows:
3,53
